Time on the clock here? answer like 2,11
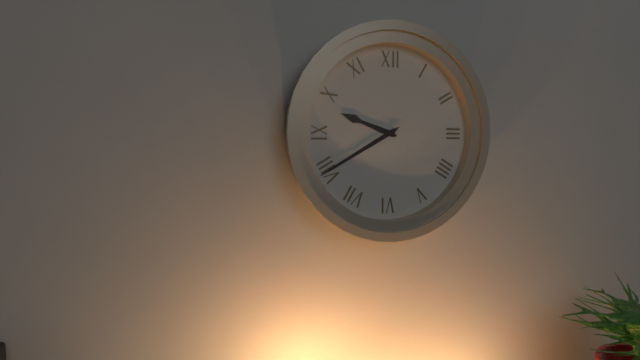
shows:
9,40
